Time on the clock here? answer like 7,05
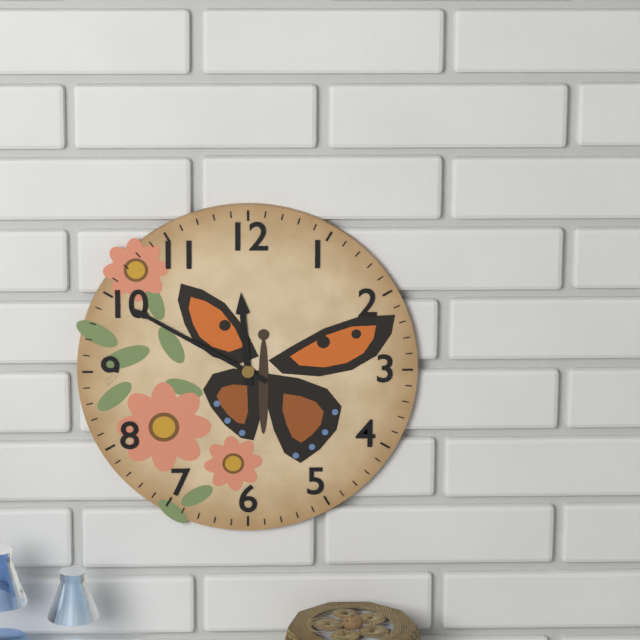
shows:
11,50
